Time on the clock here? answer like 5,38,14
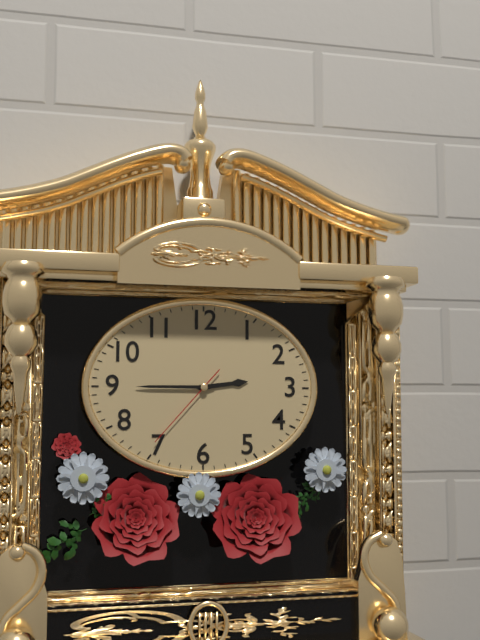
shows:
2,45,37
